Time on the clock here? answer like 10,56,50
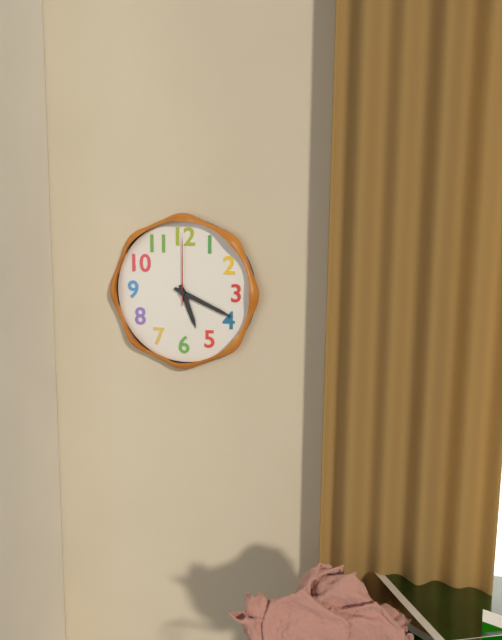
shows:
5,19,00
